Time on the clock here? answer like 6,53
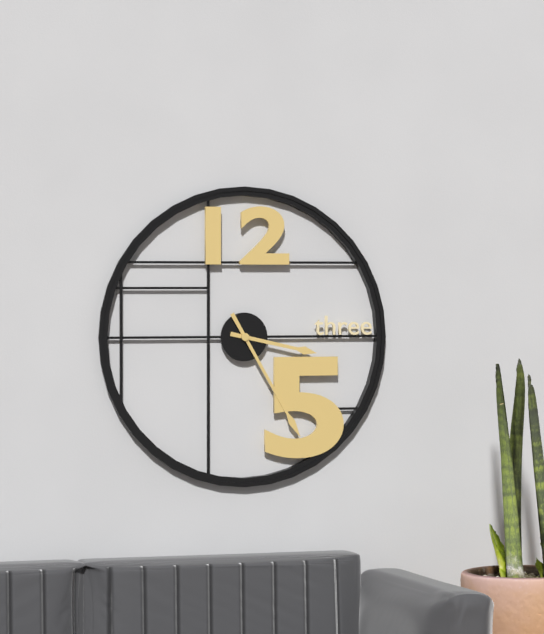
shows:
3,25
